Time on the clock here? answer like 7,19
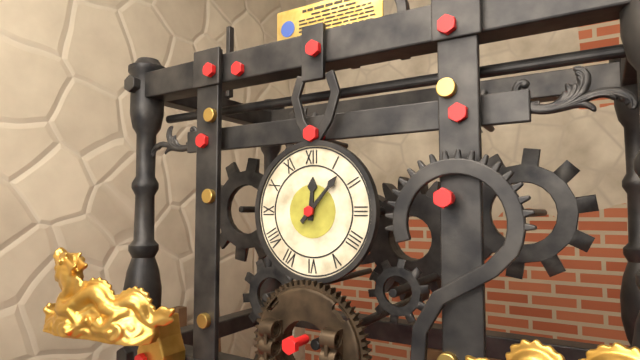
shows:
12,07
